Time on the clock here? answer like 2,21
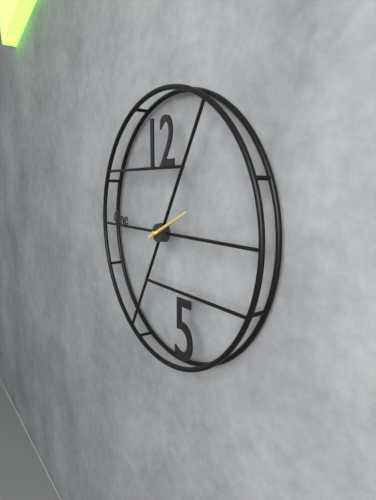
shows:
2,11
